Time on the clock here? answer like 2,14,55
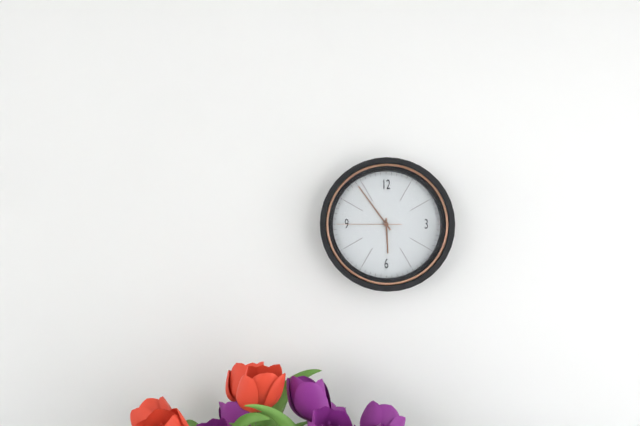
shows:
5,54,45
